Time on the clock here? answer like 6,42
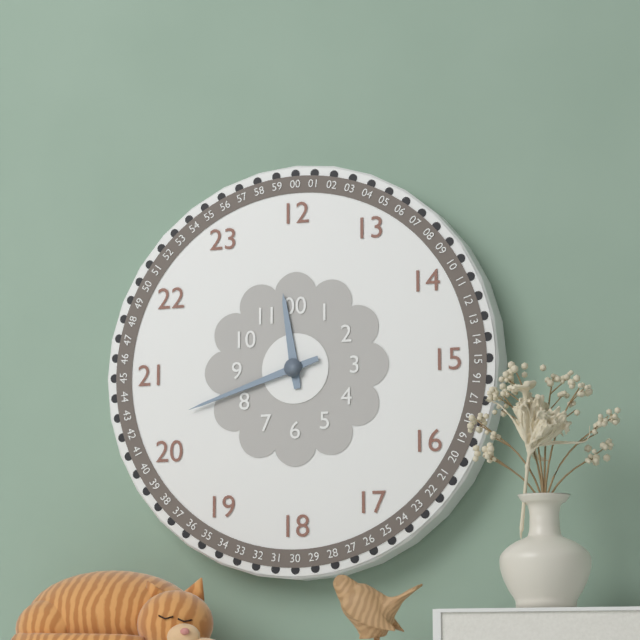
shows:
11,42
